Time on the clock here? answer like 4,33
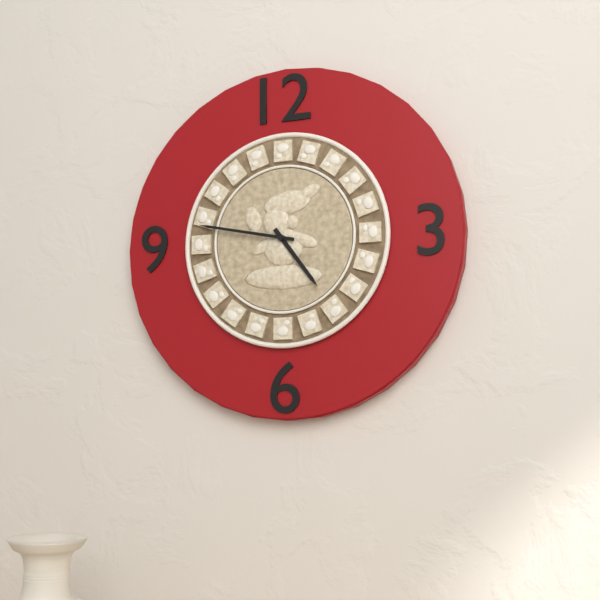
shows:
4,47
